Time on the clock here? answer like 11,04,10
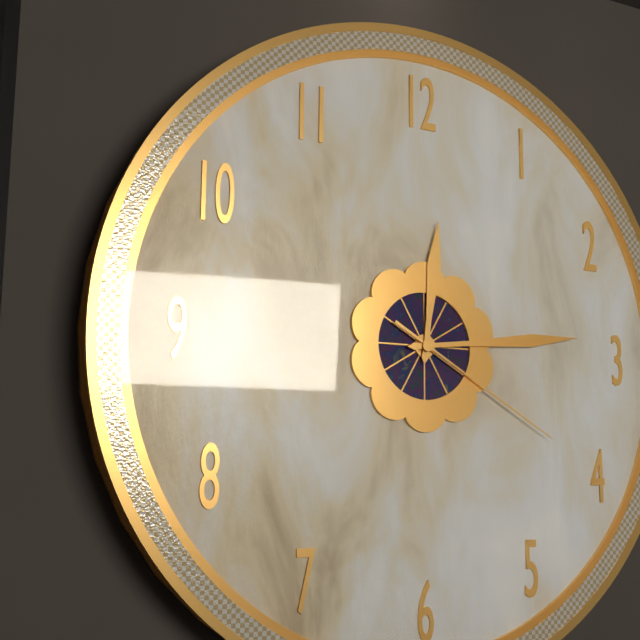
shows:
12,14,20
